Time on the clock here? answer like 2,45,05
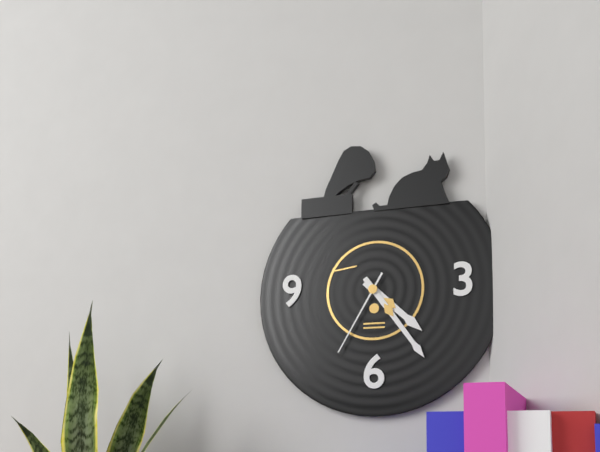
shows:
4,24,35
